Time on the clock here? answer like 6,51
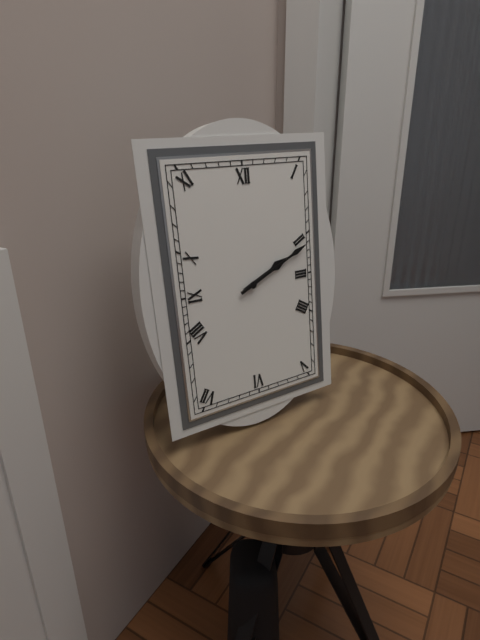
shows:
2,11
